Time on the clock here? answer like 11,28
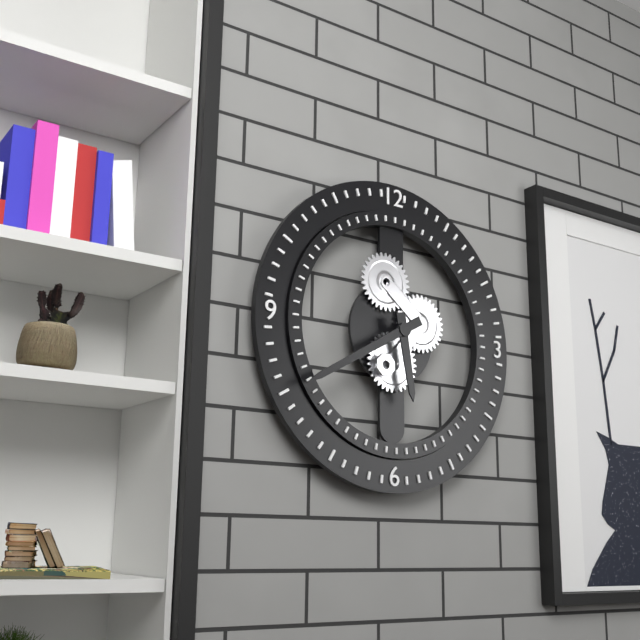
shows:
5,40
